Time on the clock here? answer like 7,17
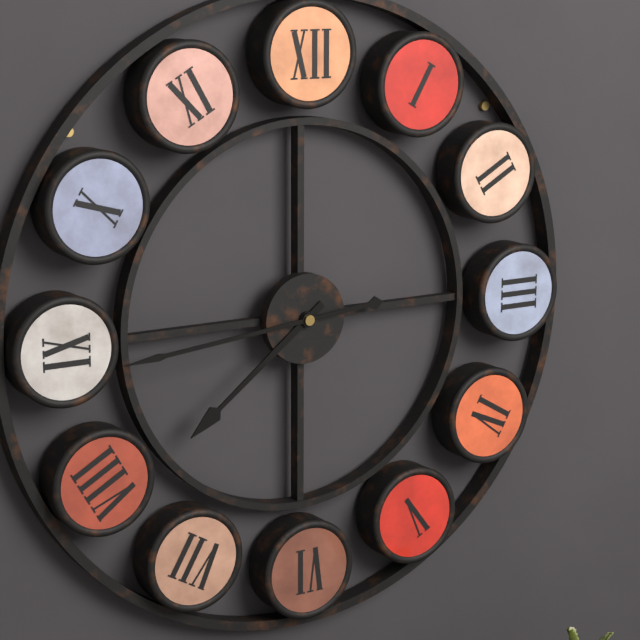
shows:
7,44
